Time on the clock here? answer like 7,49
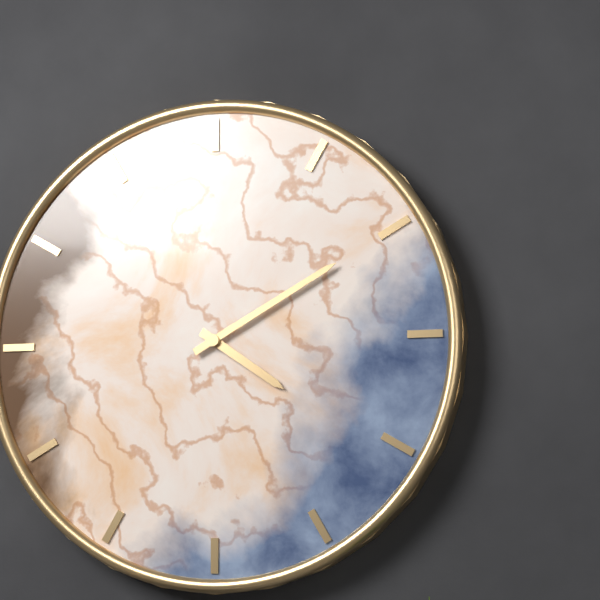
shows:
4,10
